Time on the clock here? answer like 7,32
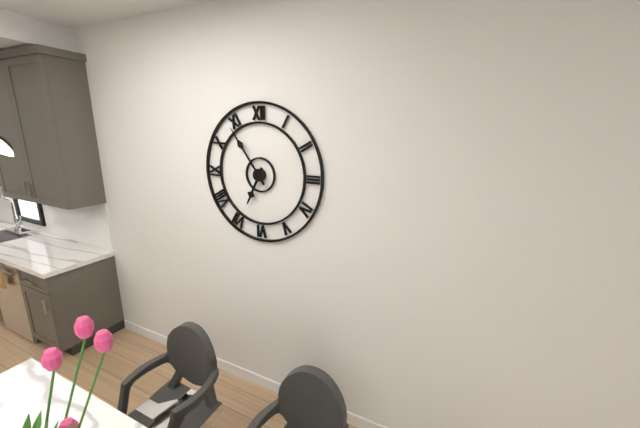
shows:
6,54
